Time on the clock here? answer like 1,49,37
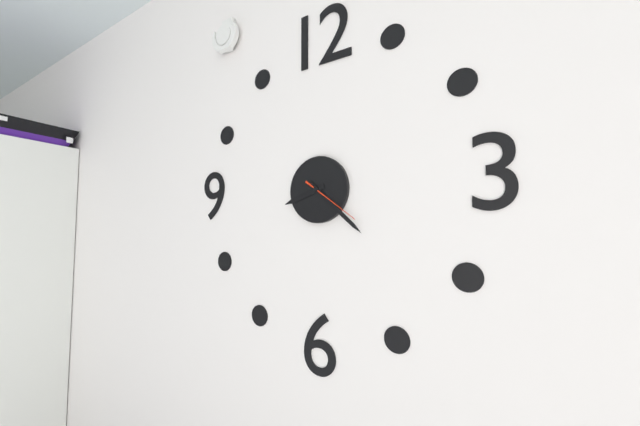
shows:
8,22,21
